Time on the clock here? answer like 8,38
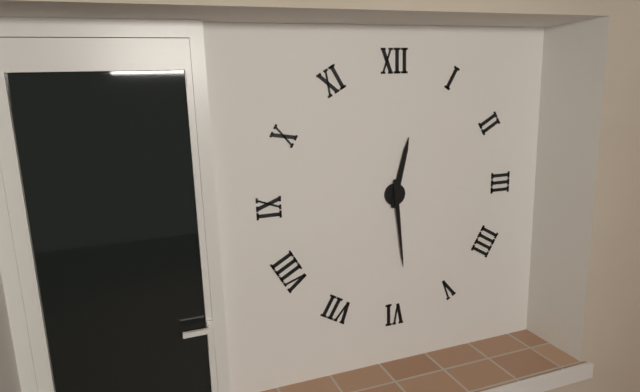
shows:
12,29
